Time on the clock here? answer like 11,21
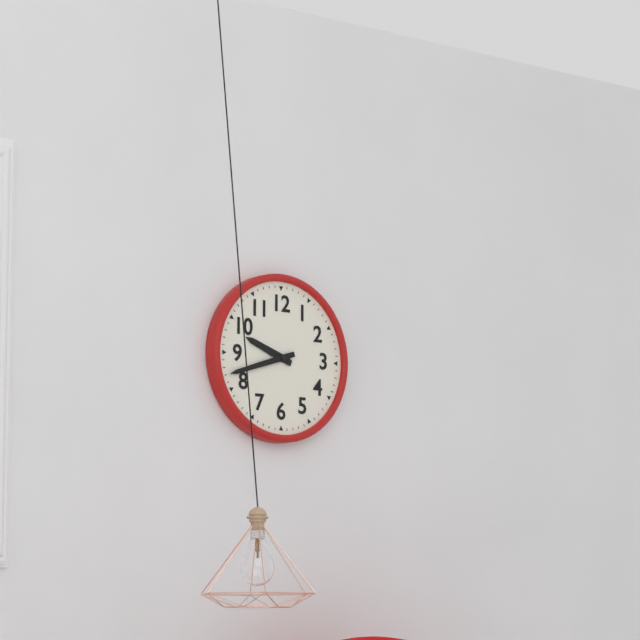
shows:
9,42
